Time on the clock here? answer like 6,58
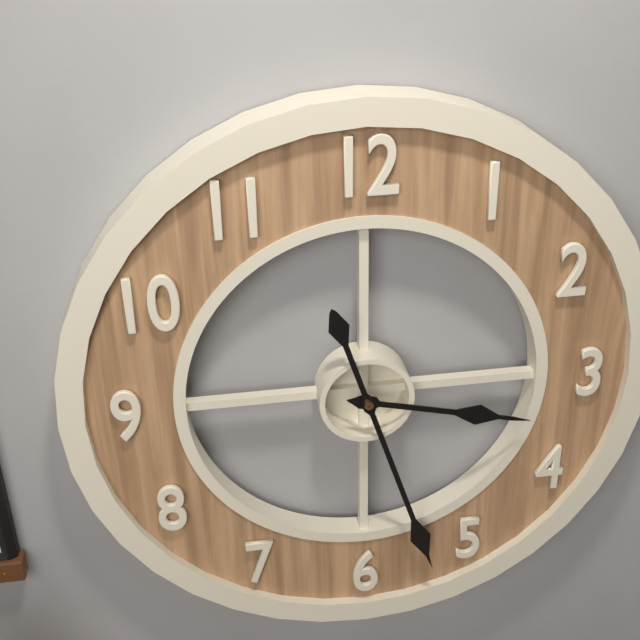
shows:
3,27
